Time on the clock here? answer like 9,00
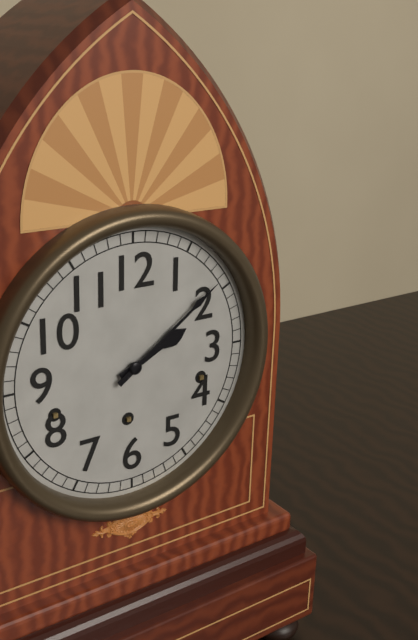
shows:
2,09
